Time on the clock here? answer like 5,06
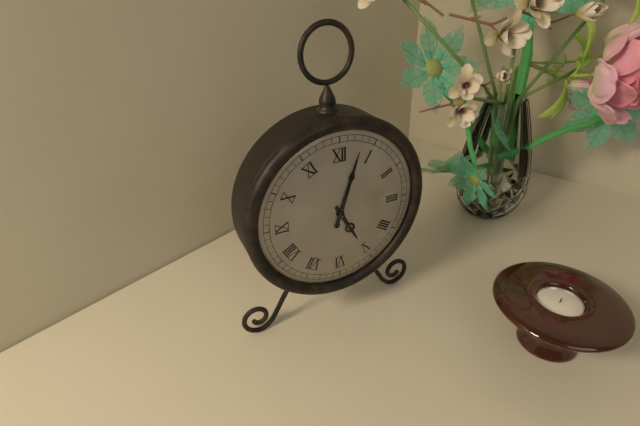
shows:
5,03
